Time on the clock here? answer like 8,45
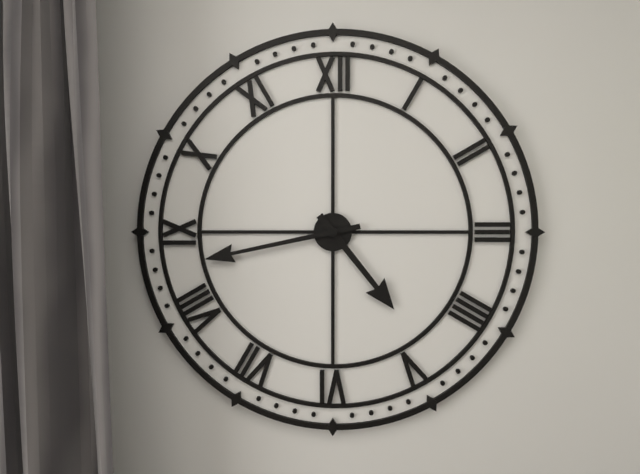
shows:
4,43
